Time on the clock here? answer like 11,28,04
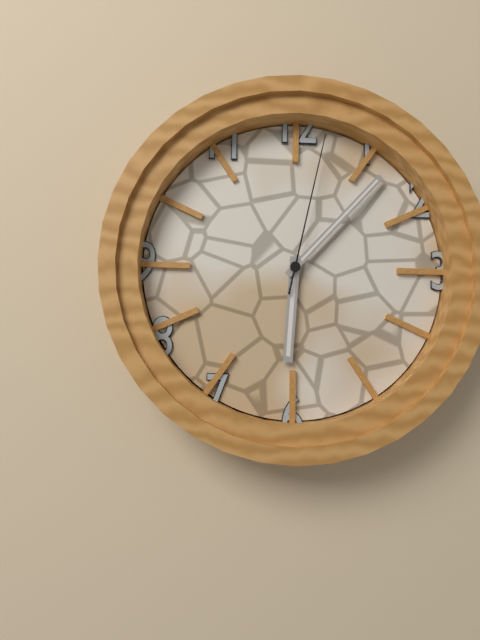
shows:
6,07,02
